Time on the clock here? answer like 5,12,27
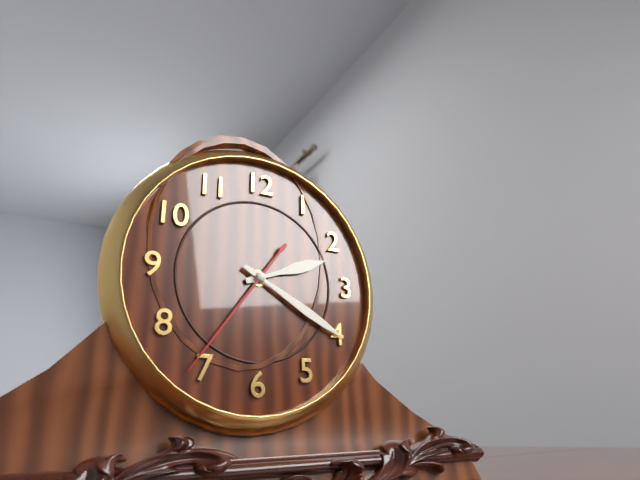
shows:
2,20,36
